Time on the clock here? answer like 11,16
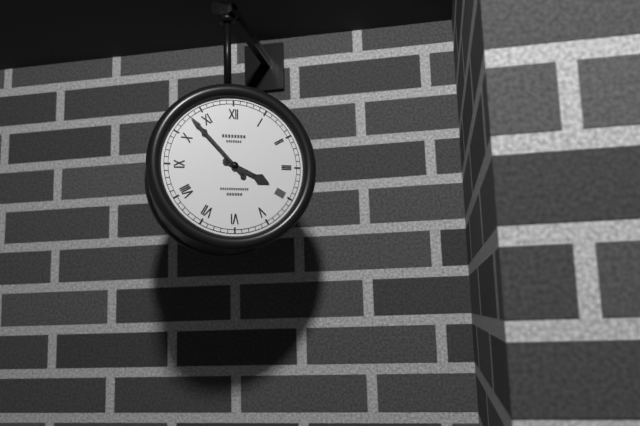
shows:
3,53
